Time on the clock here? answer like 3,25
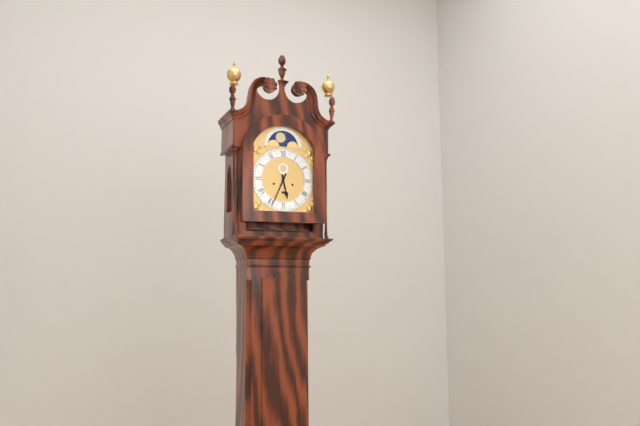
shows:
5,34
